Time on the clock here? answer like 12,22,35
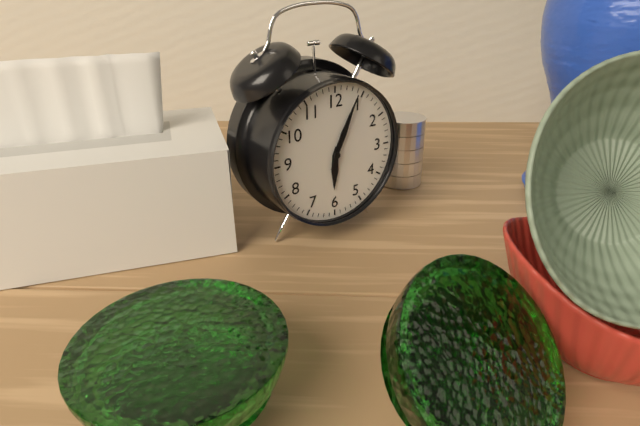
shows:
6,04,04
